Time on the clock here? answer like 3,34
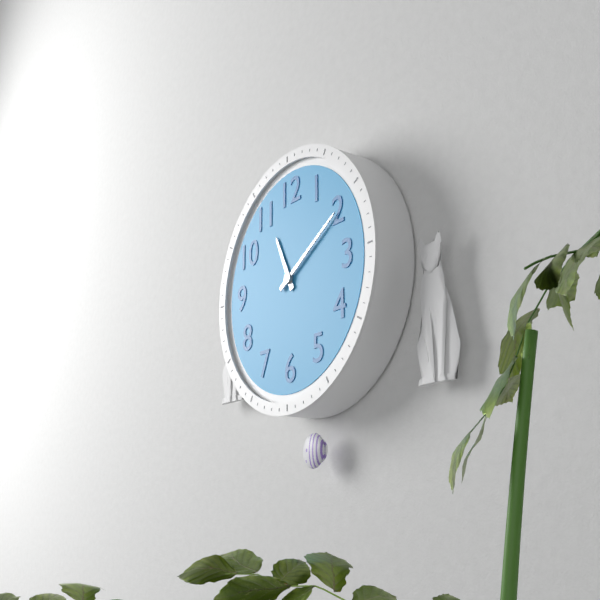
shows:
11,10
